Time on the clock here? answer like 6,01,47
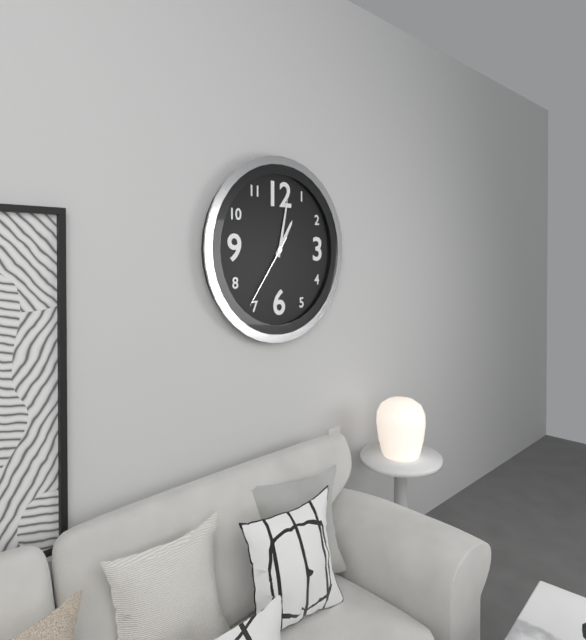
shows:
1,02,36
